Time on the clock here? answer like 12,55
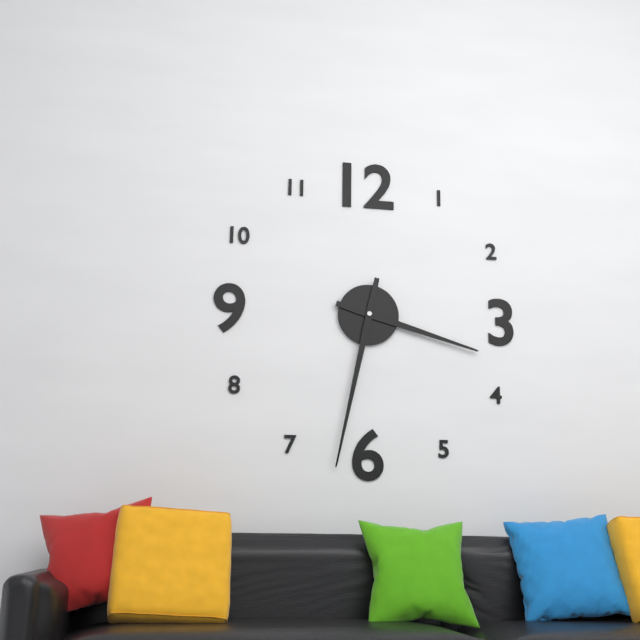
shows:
3,32
